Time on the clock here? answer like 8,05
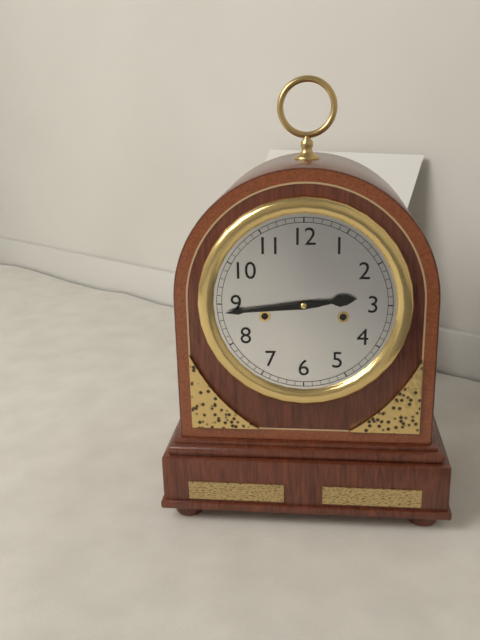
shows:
2,44
